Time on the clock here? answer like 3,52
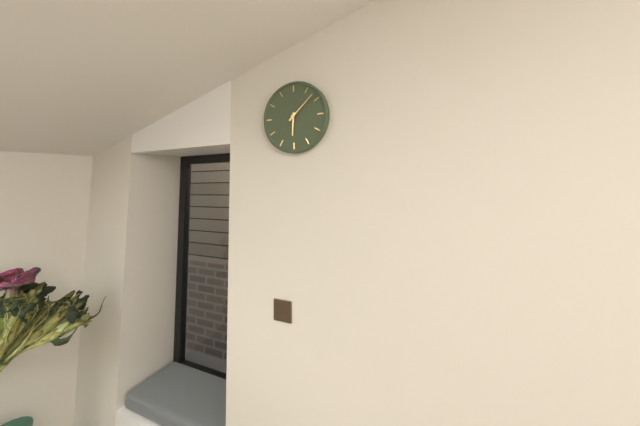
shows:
6,08
